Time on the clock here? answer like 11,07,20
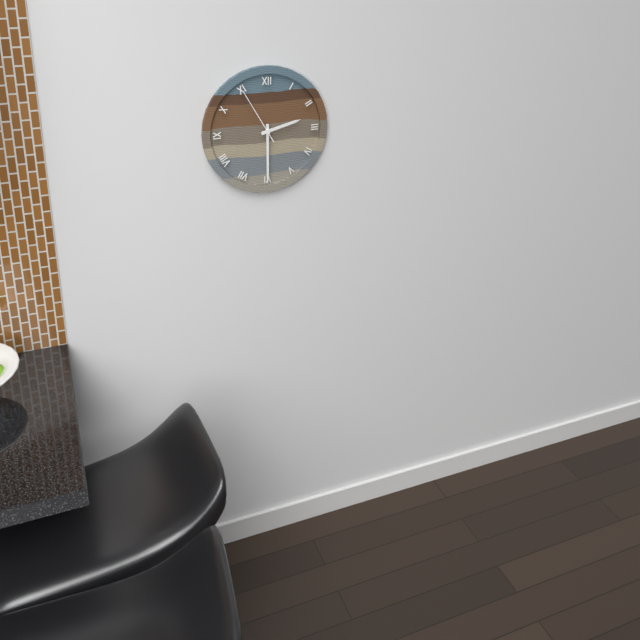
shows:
2,30,55
